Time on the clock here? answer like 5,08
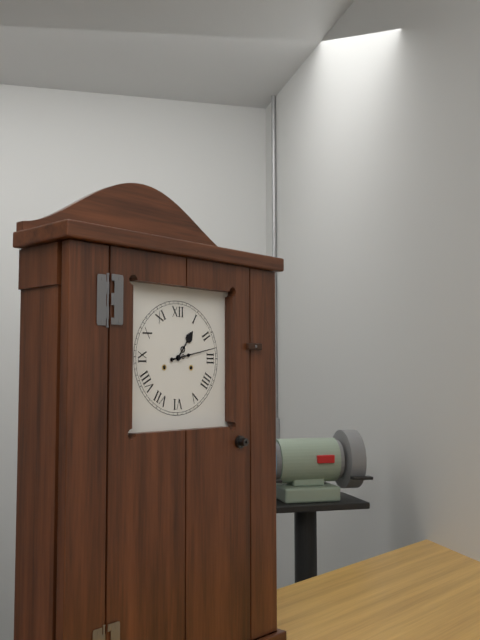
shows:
1,13
